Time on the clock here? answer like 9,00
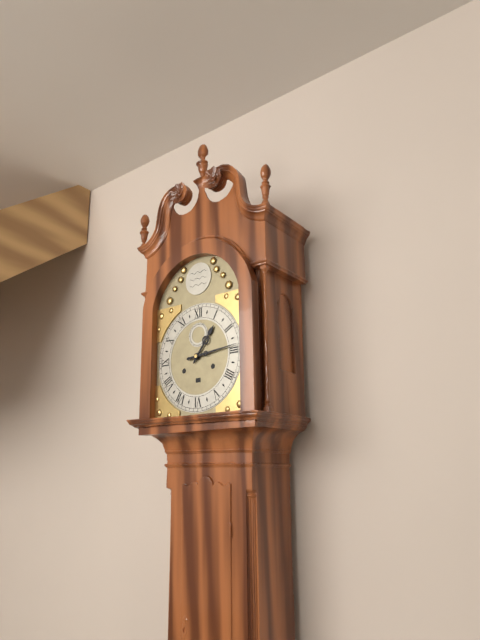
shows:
1,14
